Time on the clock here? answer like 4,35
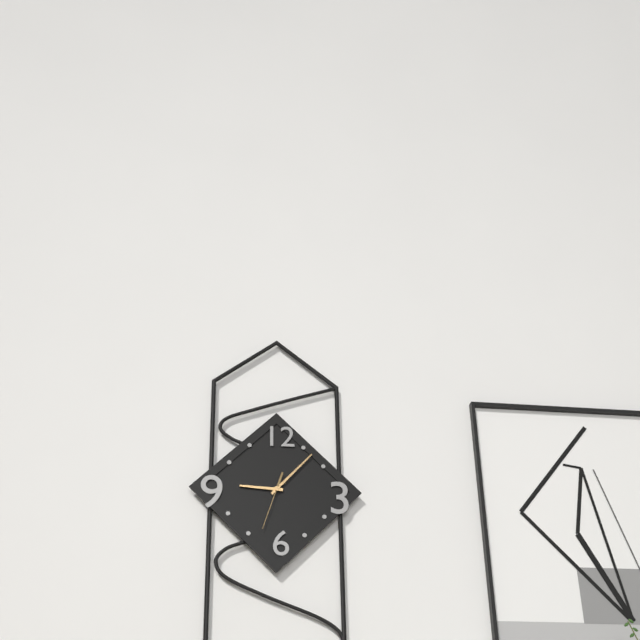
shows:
9,07
